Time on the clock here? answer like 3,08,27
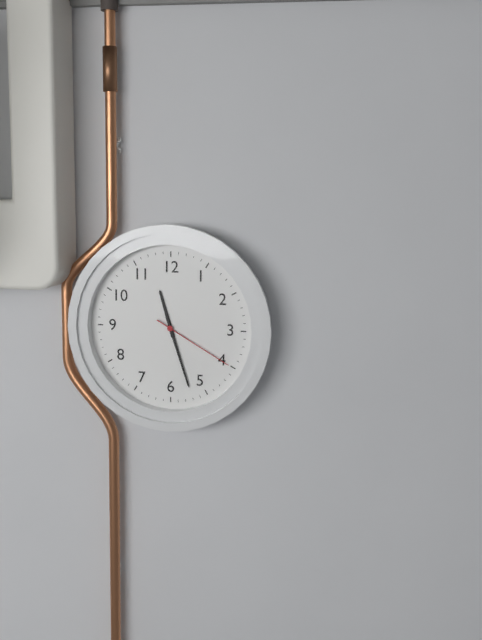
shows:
11,27,20
